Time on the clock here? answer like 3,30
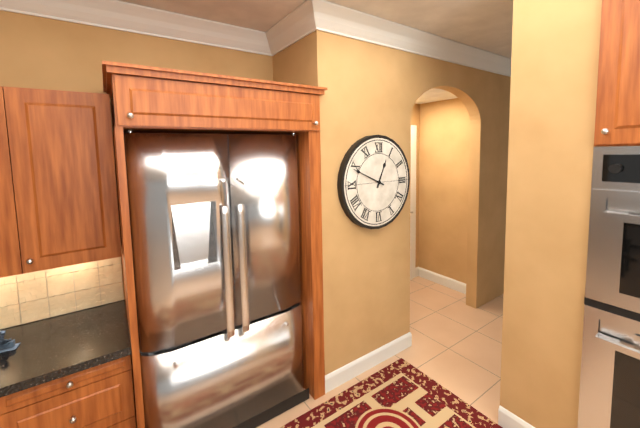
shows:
12,49
